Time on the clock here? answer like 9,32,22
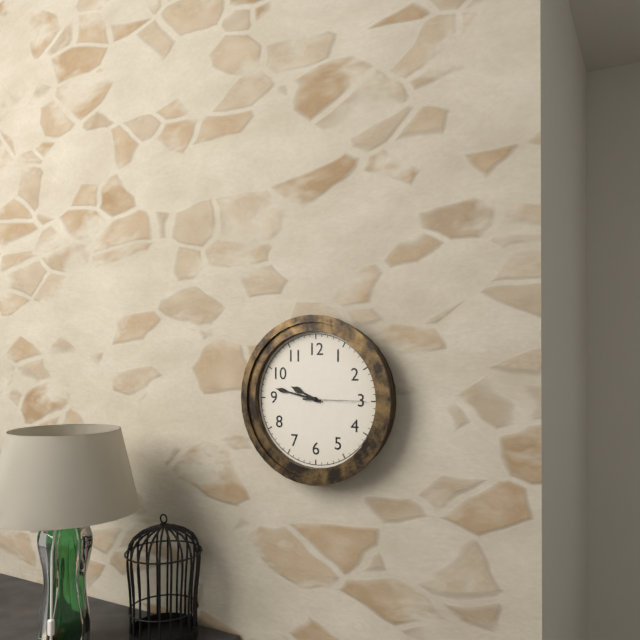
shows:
9,47,15
